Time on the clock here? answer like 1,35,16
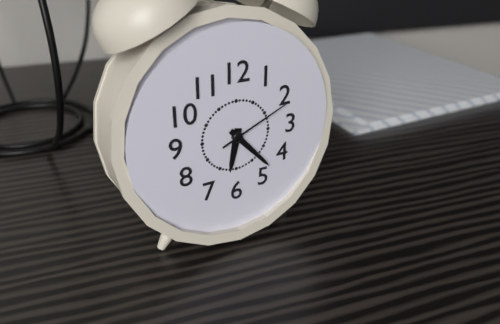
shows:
6,23,11
